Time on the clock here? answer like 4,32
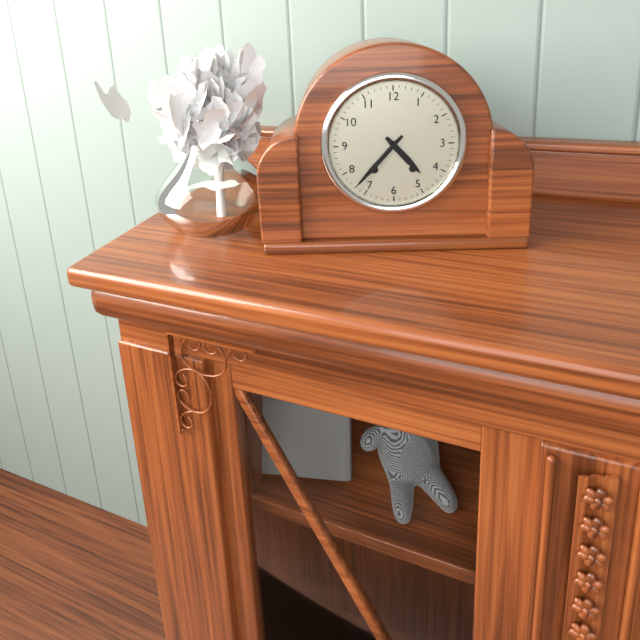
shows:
4,37
